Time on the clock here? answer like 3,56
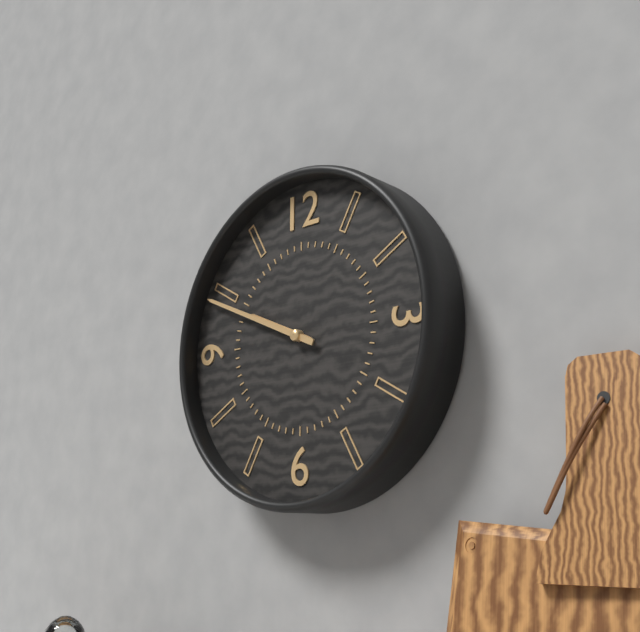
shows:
9,49
